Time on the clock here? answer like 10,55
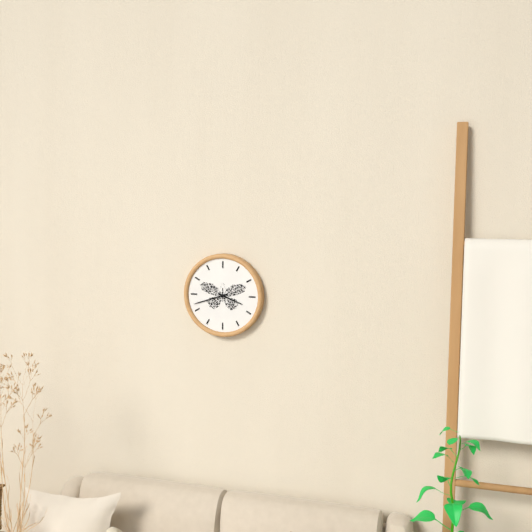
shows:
3,42
